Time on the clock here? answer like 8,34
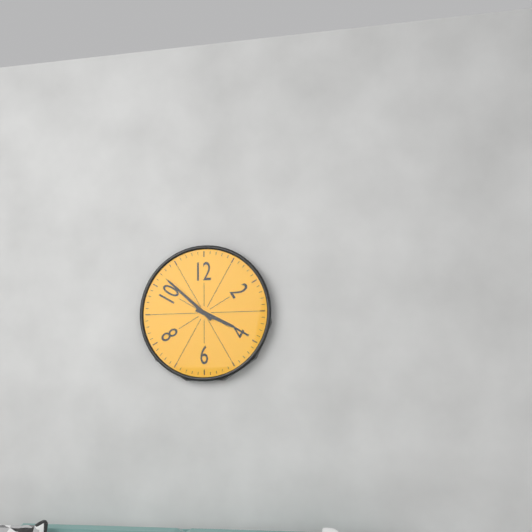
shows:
3,52
